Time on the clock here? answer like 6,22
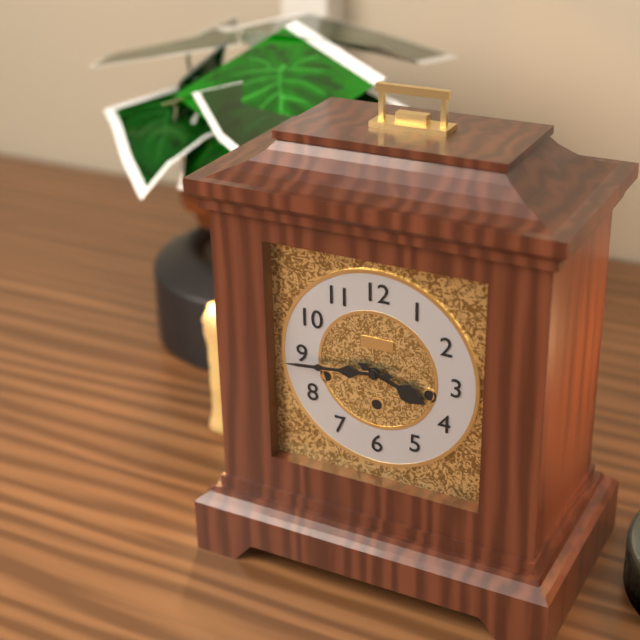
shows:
3,44
